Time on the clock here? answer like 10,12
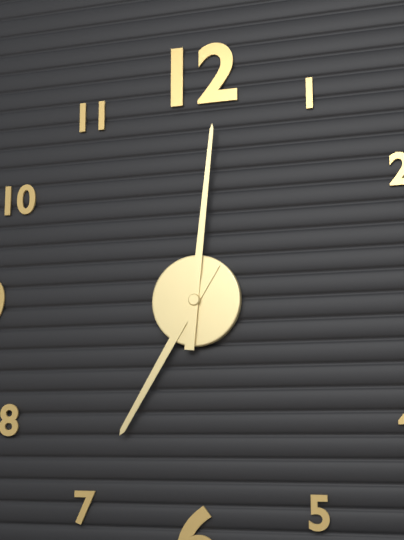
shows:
7,01
